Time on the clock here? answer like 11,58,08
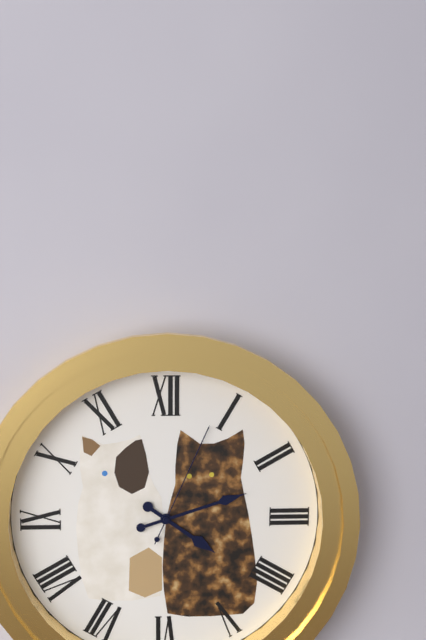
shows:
4,12,04
